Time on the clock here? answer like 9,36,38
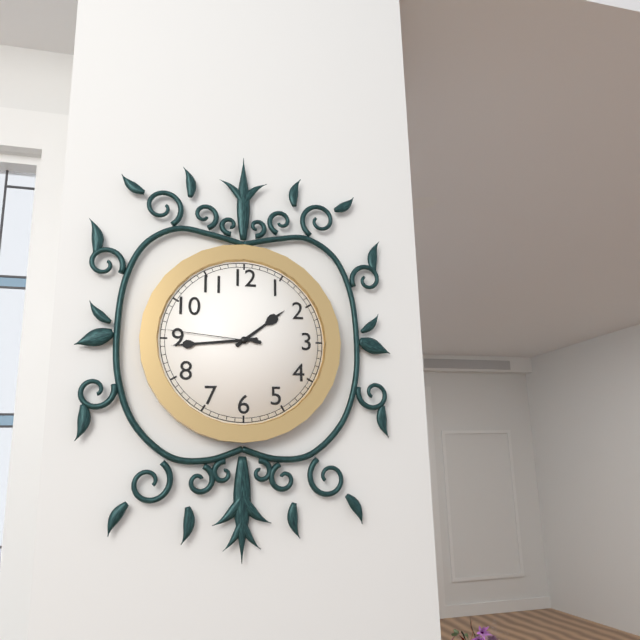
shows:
1,44,46
